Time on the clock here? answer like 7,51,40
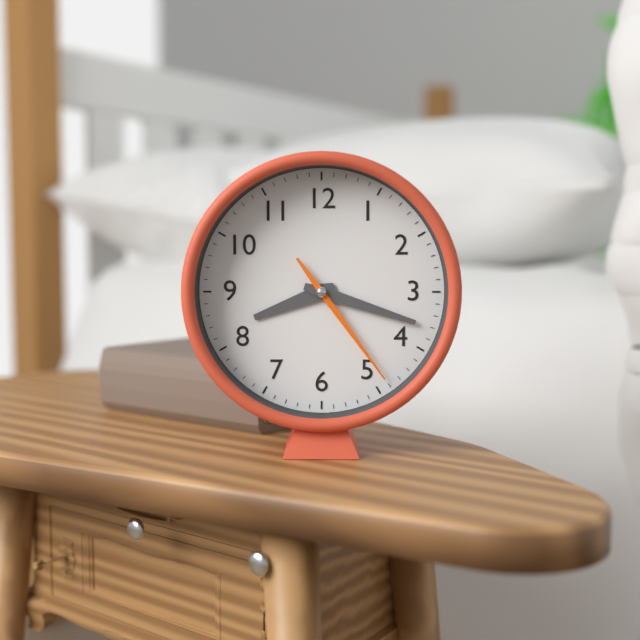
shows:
8,18,24
